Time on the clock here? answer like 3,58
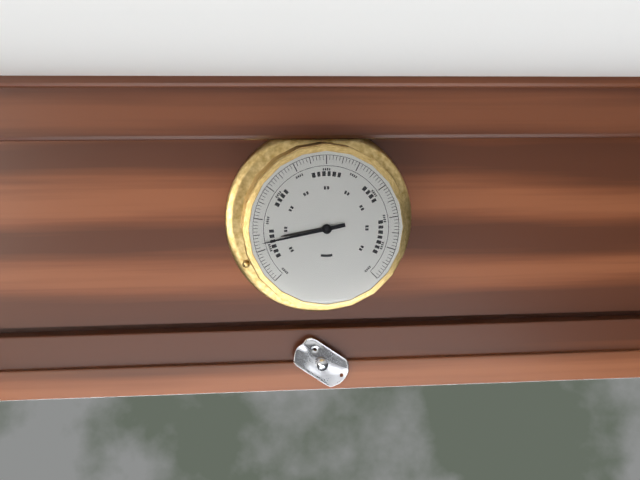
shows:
8,43
